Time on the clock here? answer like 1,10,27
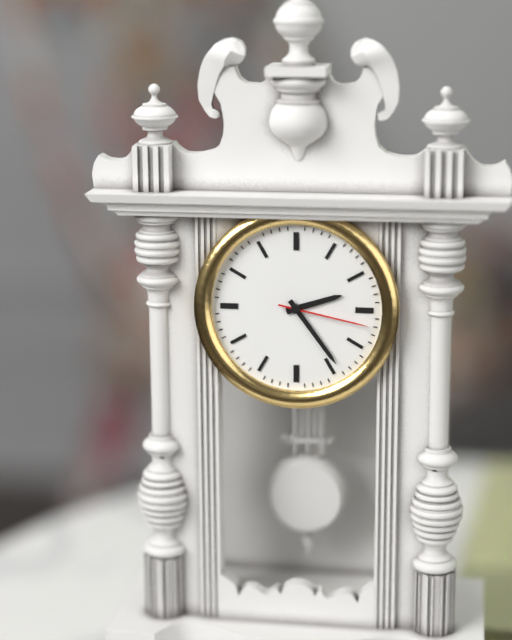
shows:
2,24,17
